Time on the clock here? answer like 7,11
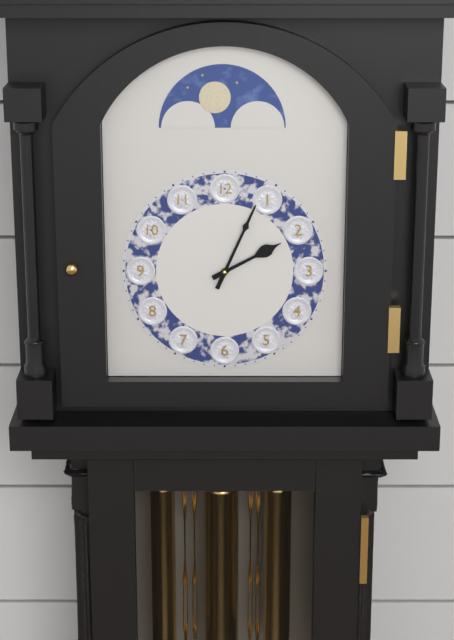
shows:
2,04
